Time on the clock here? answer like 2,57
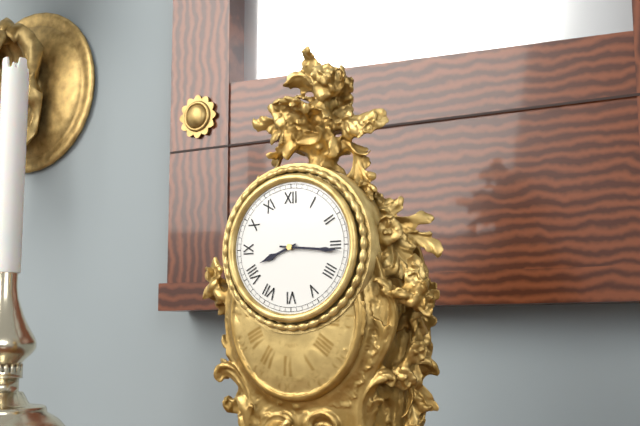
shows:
8,16
